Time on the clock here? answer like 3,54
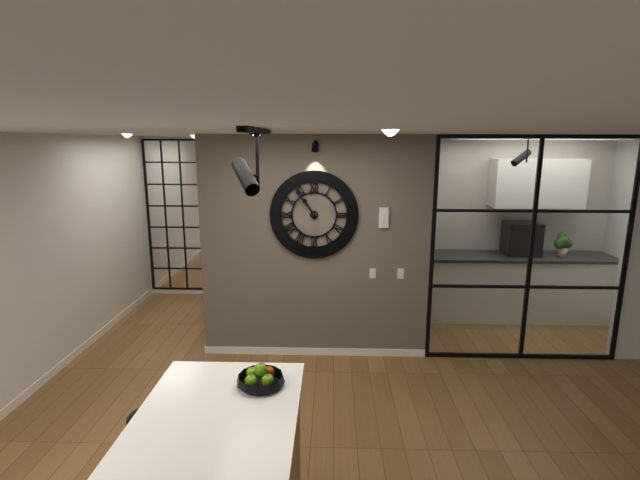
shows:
10,54
